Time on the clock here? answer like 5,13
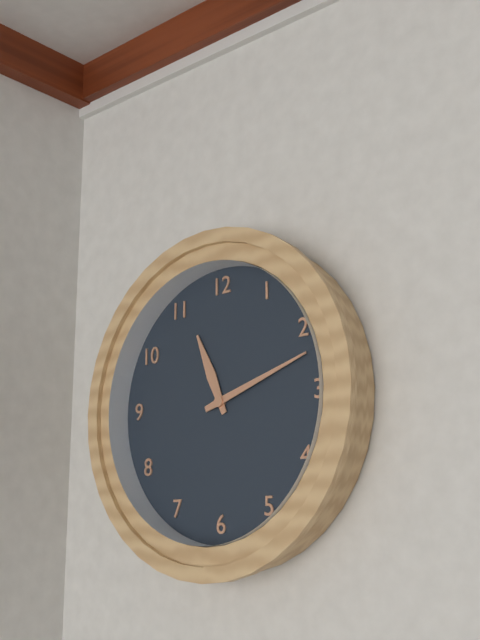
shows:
11,12
